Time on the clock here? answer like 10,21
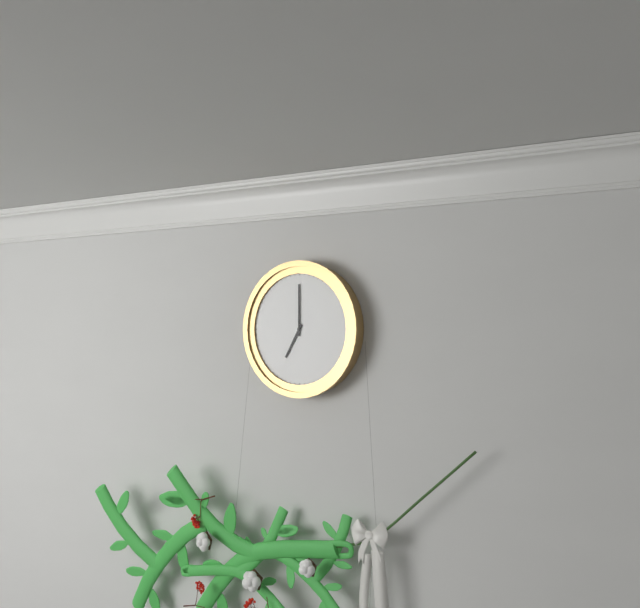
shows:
7,00
